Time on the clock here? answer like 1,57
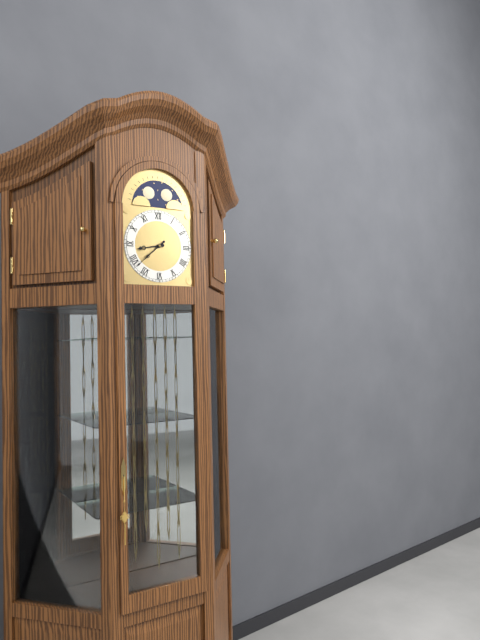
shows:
8,38
